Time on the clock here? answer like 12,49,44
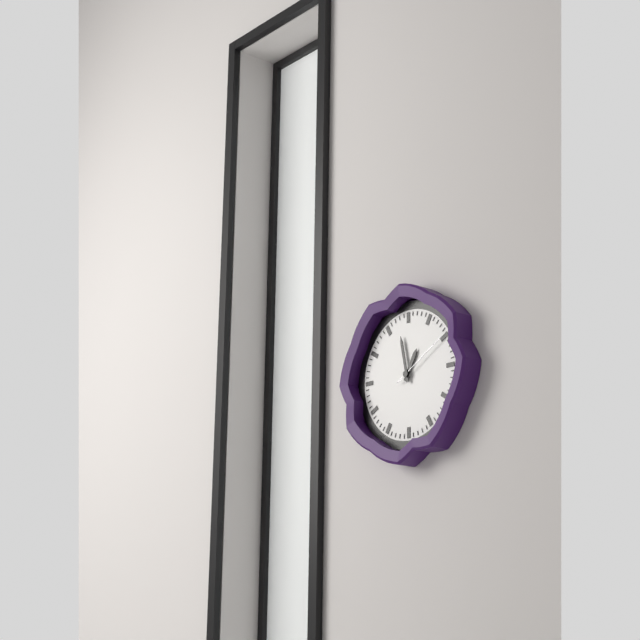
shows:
12,58,10
